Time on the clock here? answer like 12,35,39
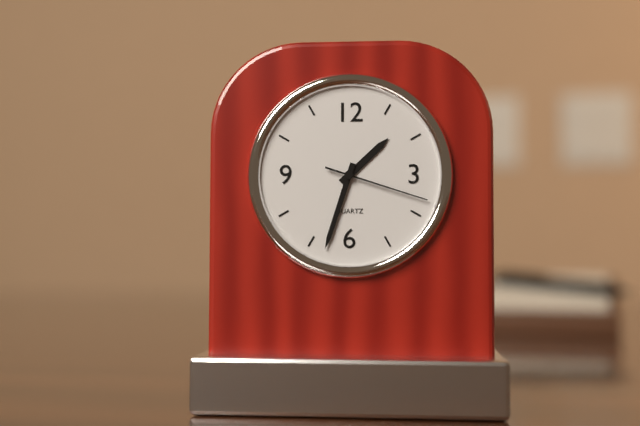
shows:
1,33,18
